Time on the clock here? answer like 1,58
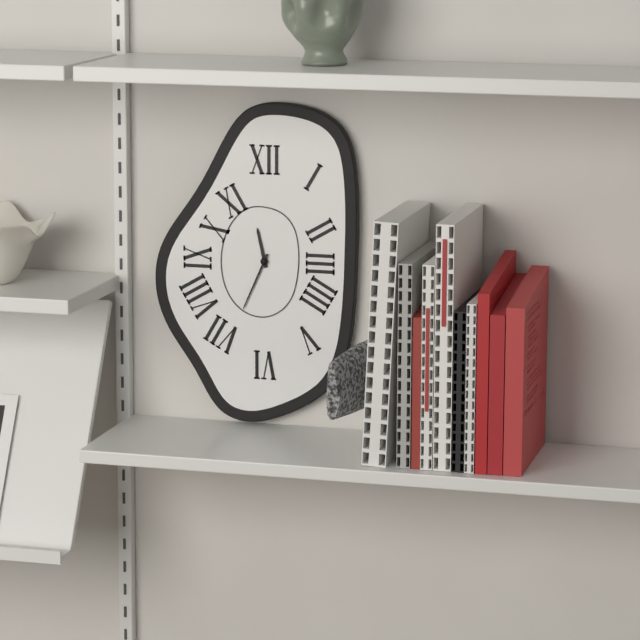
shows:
11,34
